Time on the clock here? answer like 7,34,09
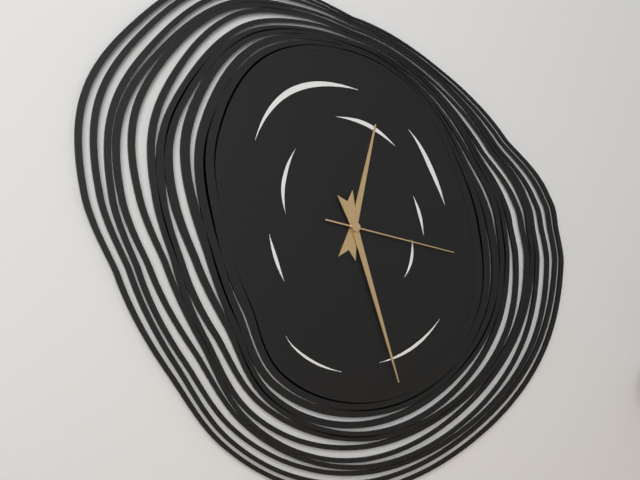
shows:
12,27,17
